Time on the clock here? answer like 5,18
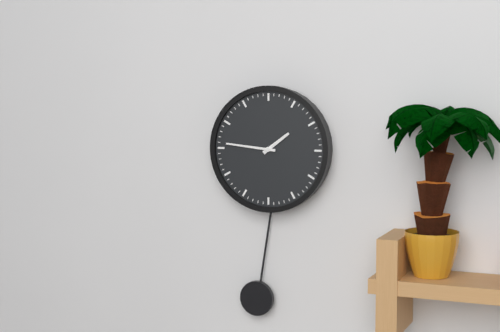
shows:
1,46
